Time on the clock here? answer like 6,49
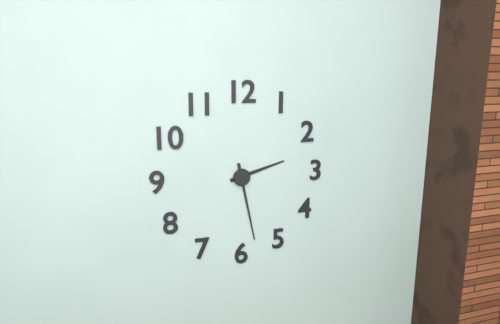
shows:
2,28
